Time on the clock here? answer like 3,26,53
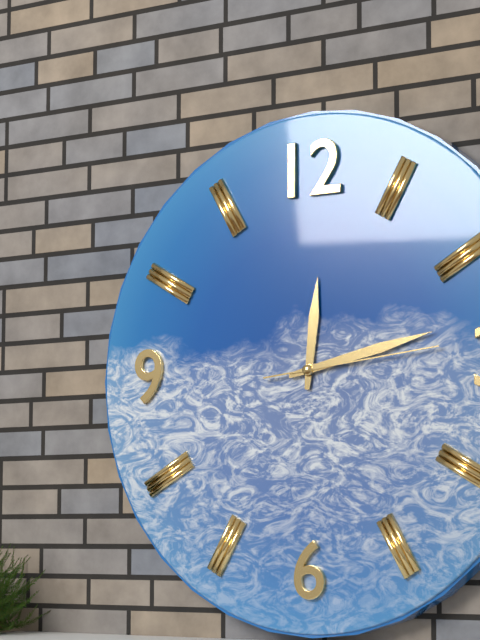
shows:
12,13,14
